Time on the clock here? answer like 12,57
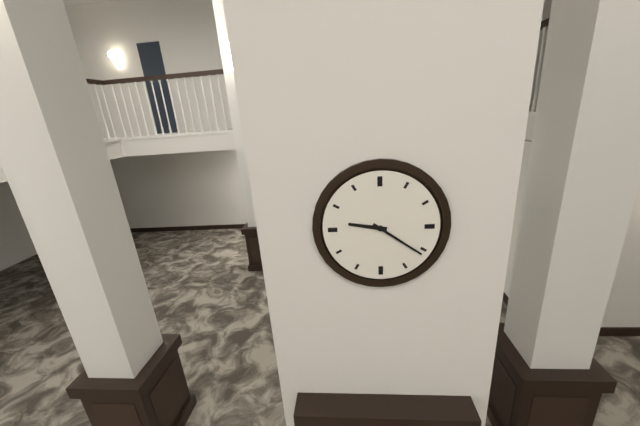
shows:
9,21
